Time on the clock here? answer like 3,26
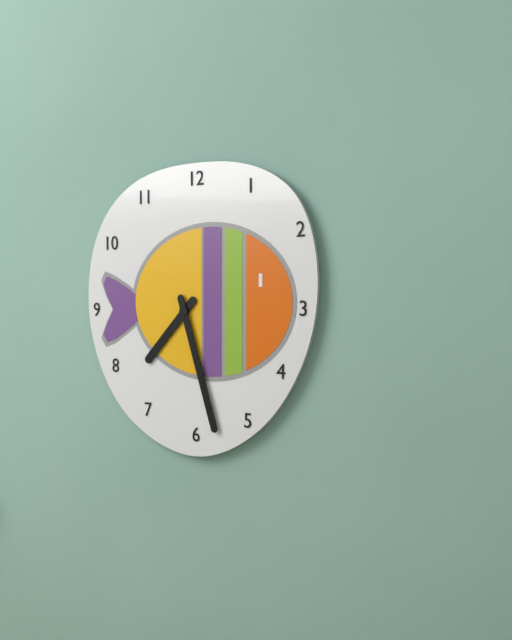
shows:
7,27
